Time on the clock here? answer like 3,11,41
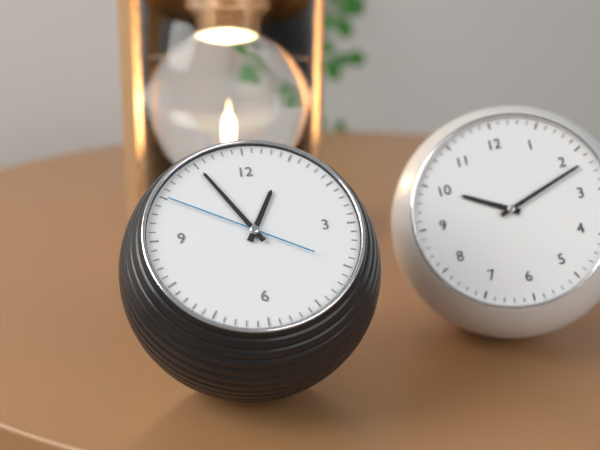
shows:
12,55,50
